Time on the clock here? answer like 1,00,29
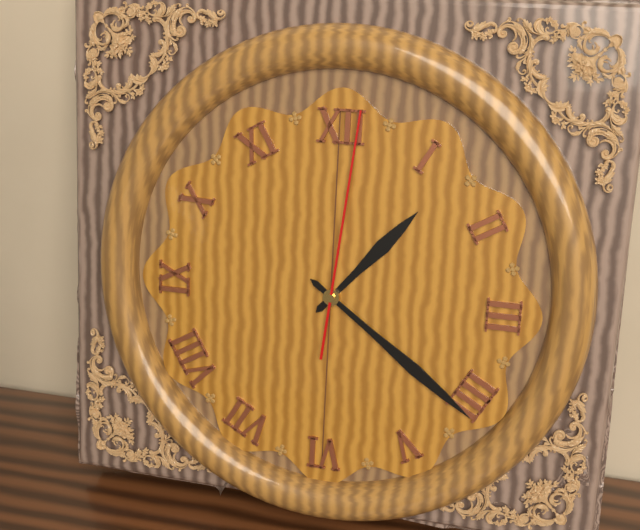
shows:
1,21,01
